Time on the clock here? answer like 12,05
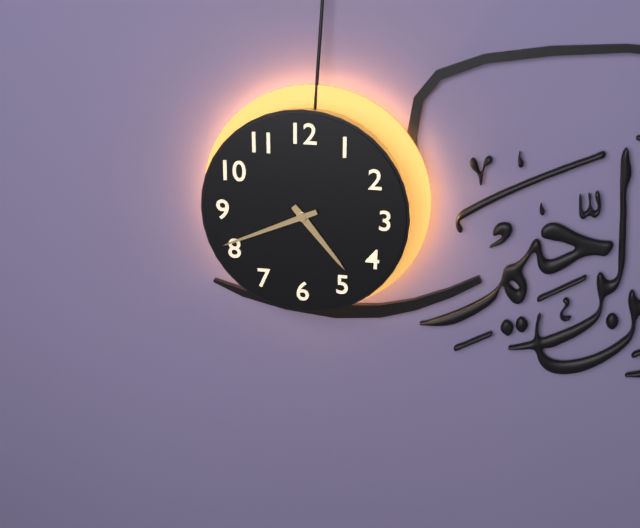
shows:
4,41
